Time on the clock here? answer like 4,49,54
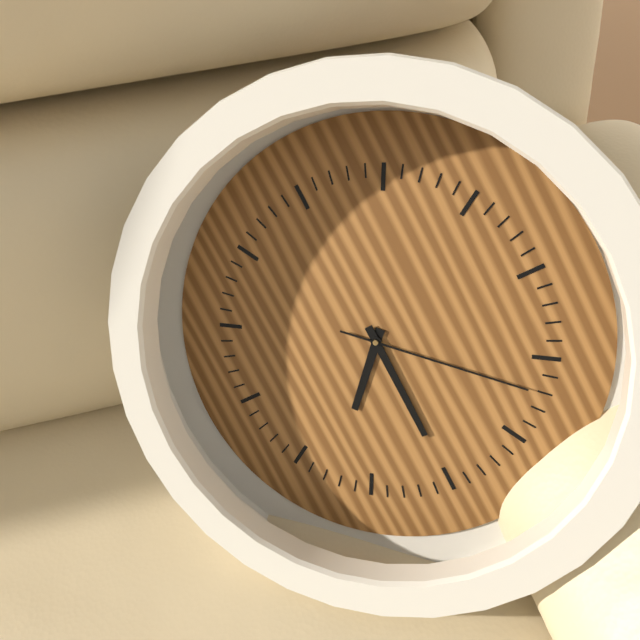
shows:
7,30,22
